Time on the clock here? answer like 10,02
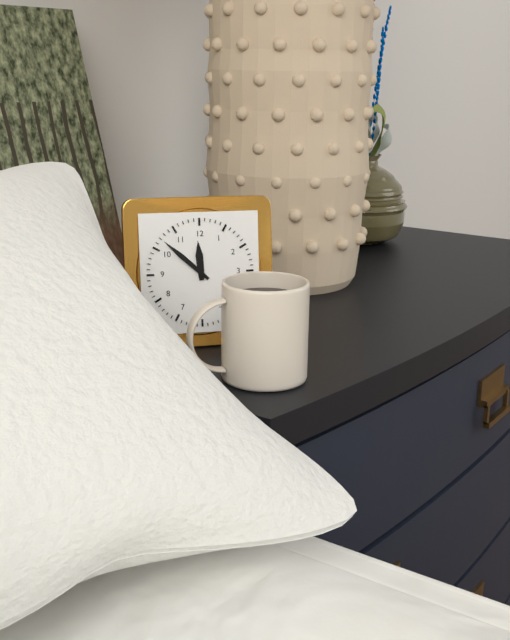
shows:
11,52
